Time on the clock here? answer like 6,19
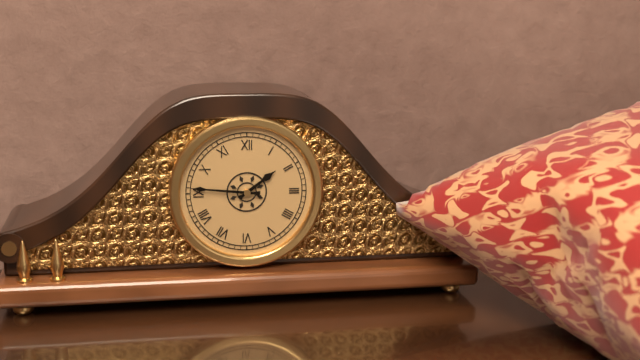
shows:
1,46
